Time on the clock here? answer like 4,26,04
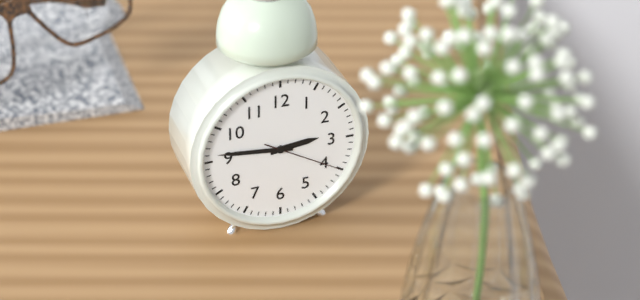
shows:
2,46,20
